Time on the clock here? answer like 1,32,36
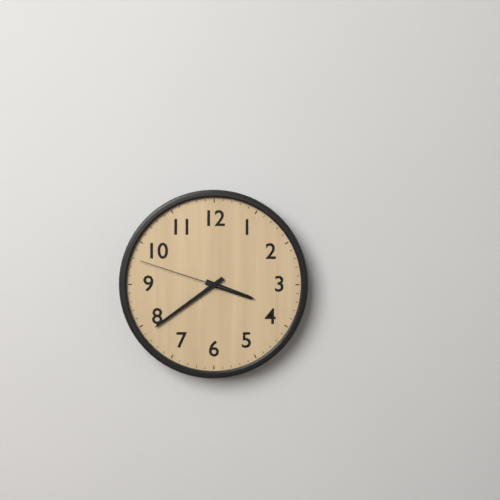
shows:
3,39,48
